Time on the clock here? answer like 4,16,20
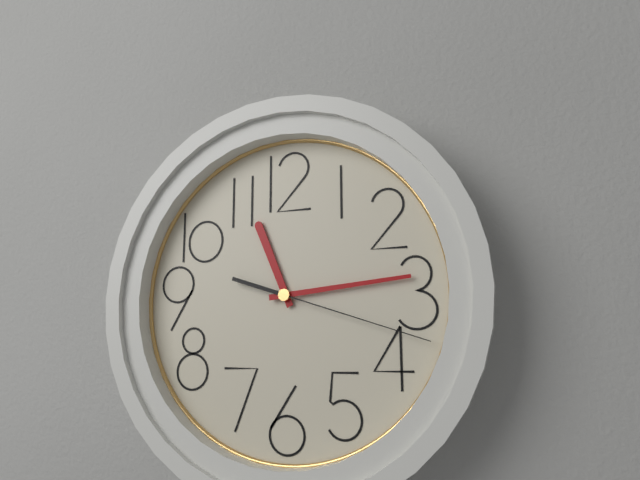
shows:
11,14,18
